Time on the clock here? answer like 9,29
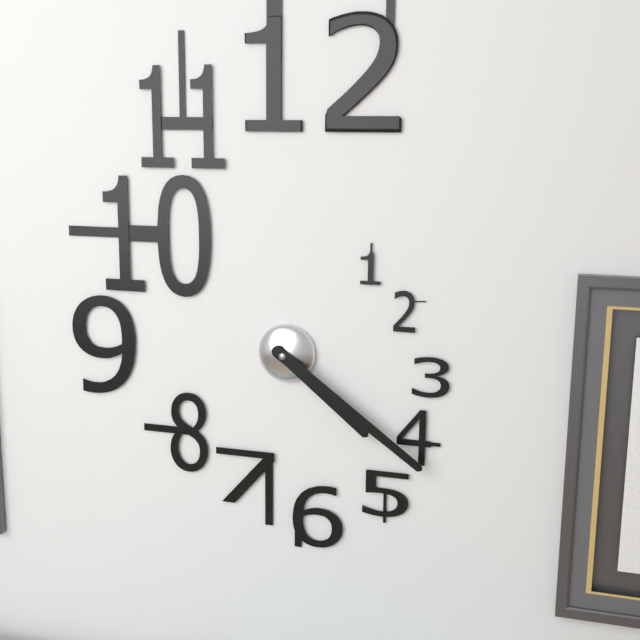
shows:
4,21
